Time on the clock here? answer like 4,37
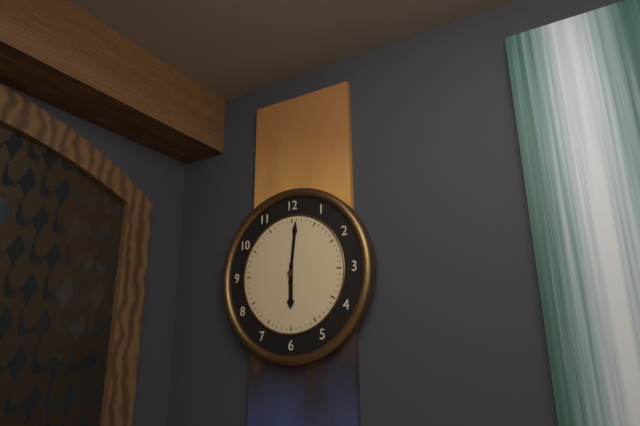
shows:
6,01
